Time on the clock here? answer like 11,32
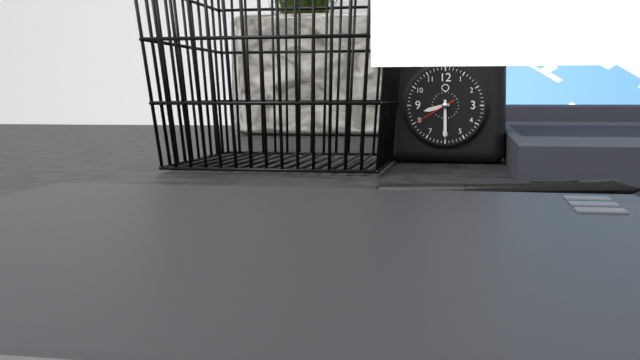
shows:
8,30
